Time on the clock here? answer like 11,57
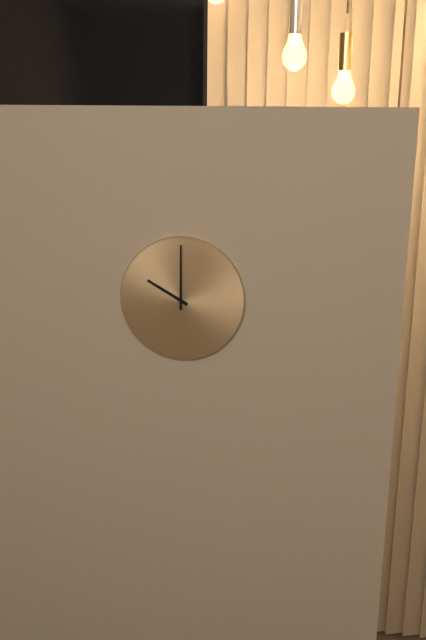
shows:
10,00
